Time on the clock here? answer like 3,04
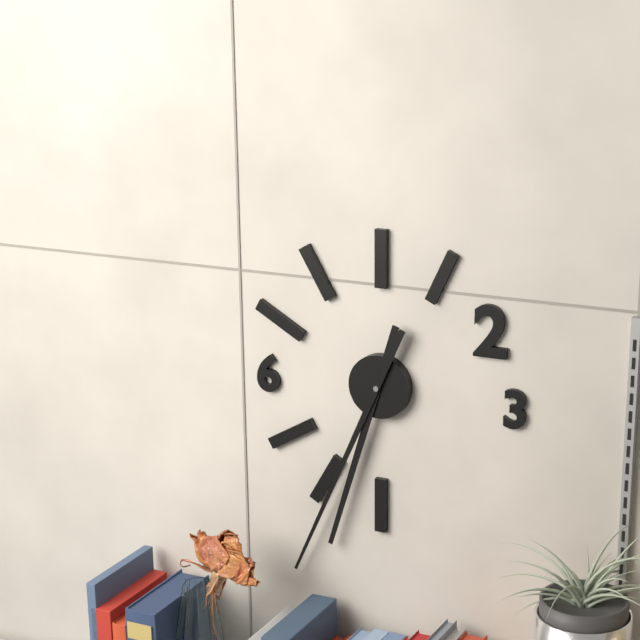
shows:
6,34
